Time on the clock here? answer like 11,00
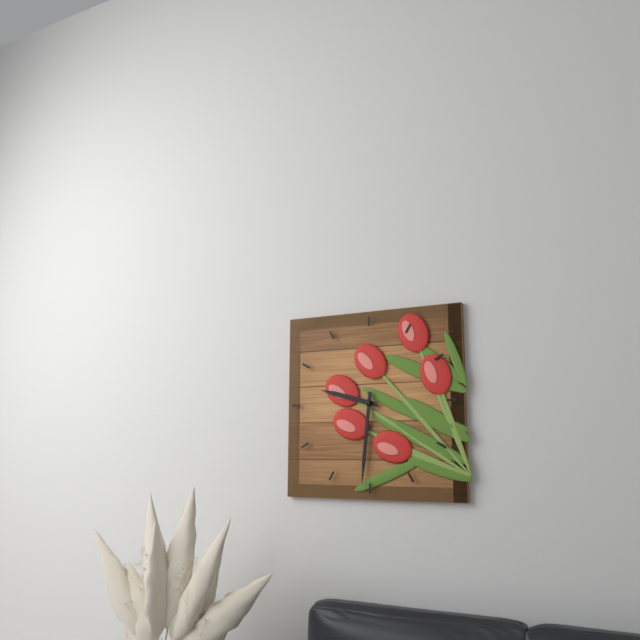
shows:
9,31
